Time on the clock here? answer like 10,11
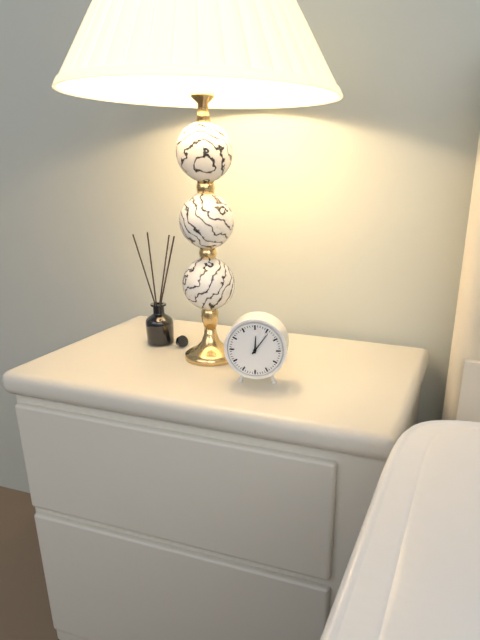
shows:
12,06
